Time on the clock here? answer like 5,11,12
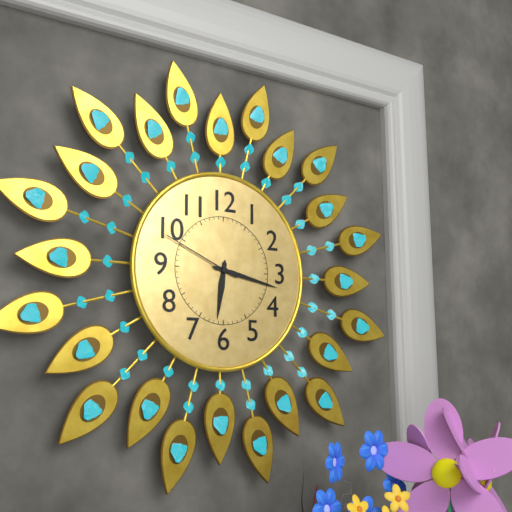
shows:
6,17,49
